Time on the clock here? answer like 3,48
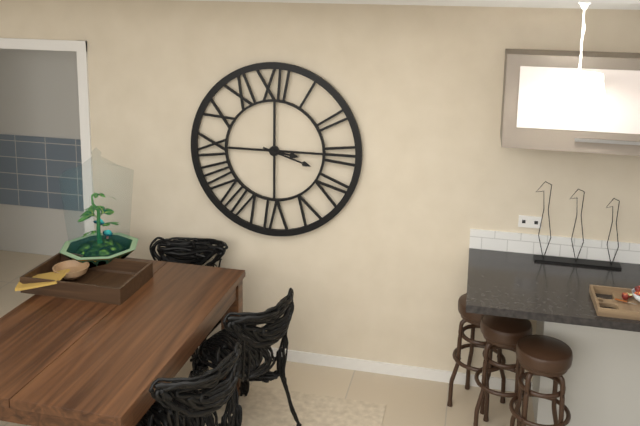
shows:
3,18
